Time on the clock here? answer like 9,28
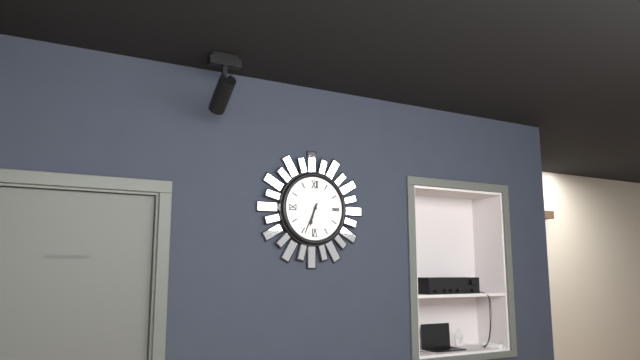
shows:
6,34
